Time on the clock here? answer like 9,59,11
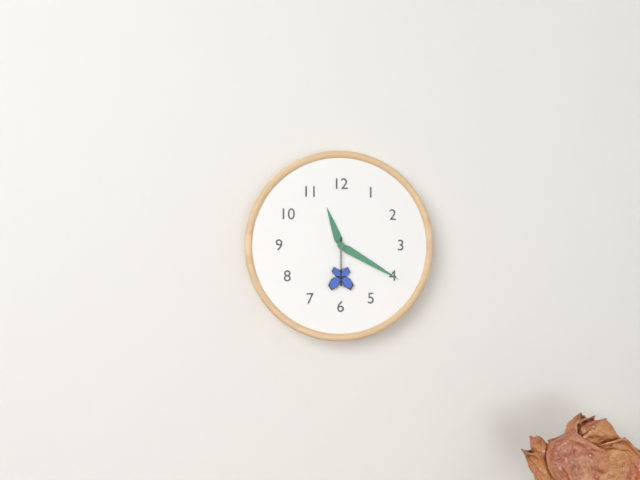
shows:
11,20,30
